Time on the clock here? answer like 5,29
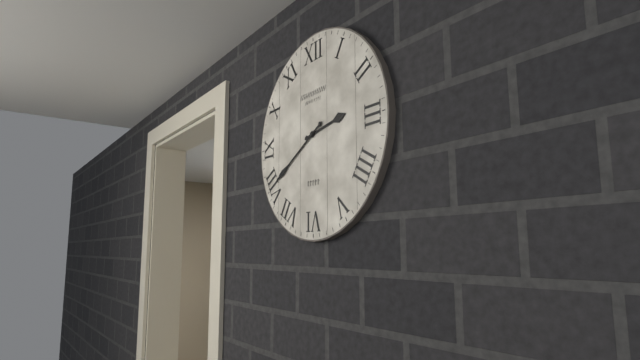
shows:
2,40
